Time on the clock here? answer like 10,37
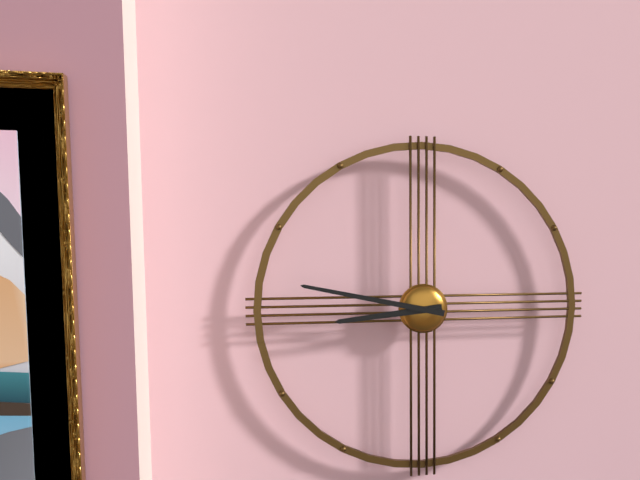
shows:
8,47
